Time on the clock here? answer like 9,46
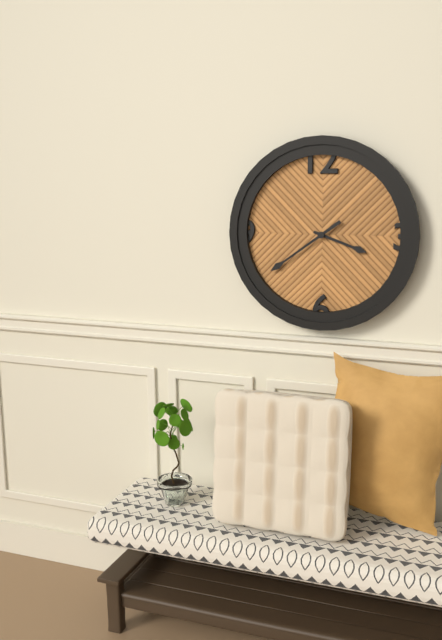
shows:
3,39
